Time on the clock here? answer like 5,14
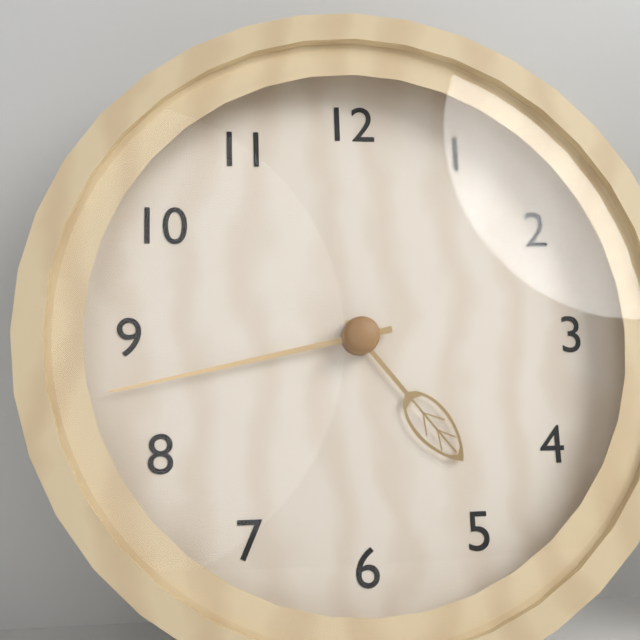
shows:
4,43
